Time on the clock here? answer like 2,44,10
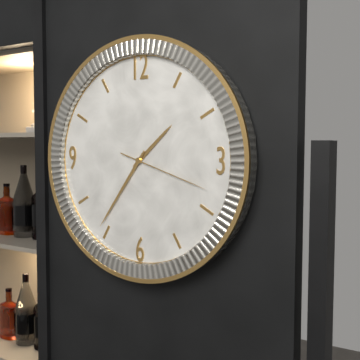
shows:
1,36,18
